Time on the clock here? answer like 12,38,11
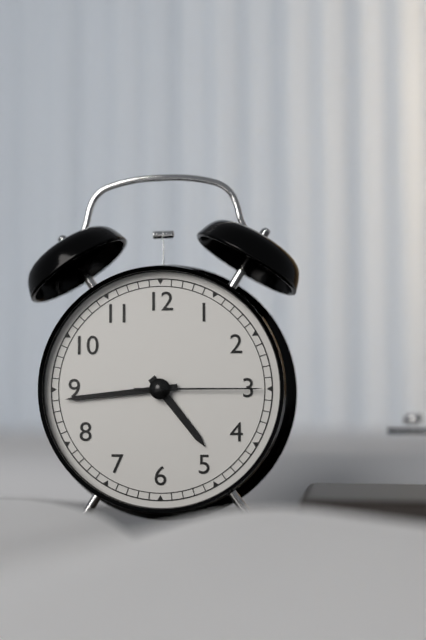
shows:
4,44,15
